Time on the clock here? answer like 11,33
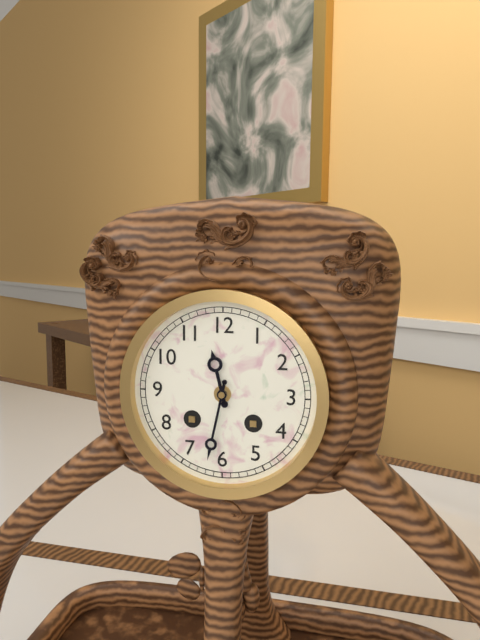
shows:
11,32
